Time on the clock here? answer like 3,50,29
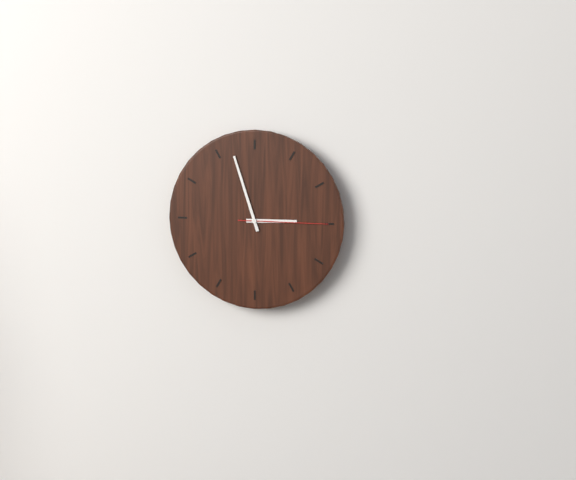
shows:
2,57,15
